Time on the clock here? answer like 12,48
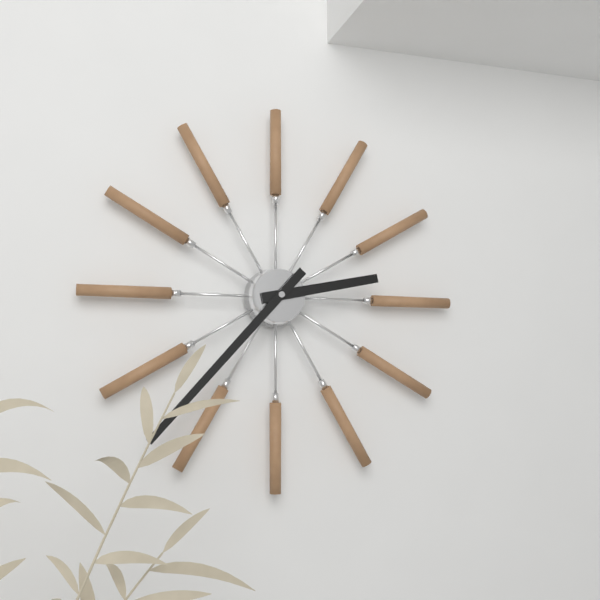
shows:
2,37
